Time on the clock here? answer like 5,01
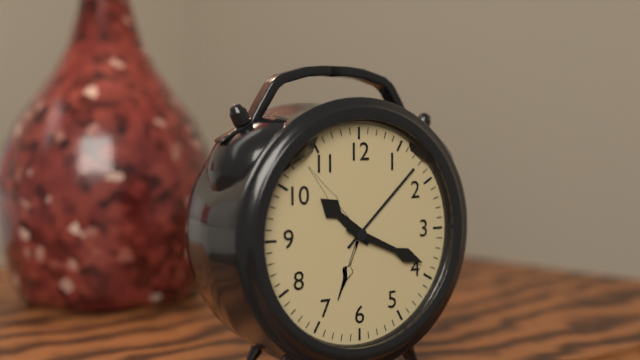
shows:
10,19
